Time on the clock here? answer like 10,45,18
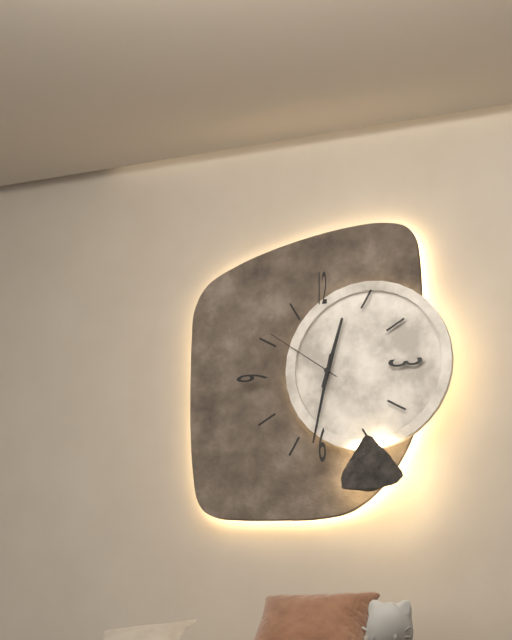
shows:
12,32,51
